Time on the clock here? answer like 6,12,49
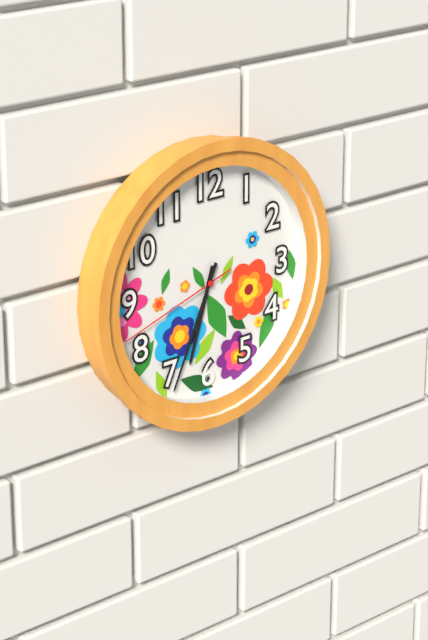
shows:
6,34,42
